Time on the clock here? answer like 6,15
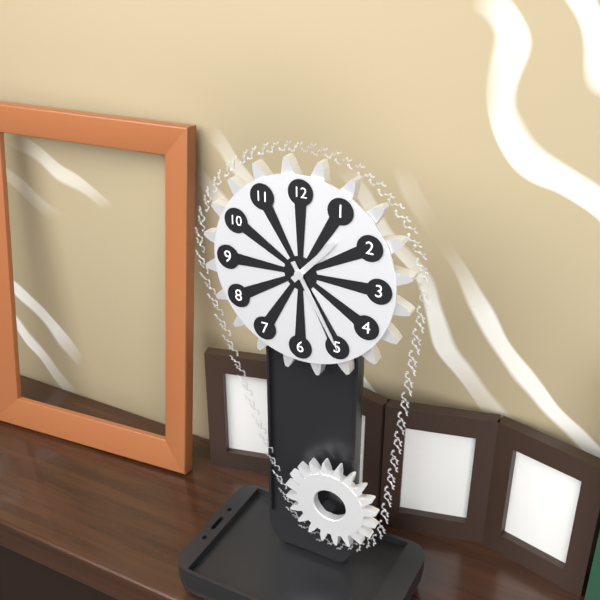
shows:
1,25
